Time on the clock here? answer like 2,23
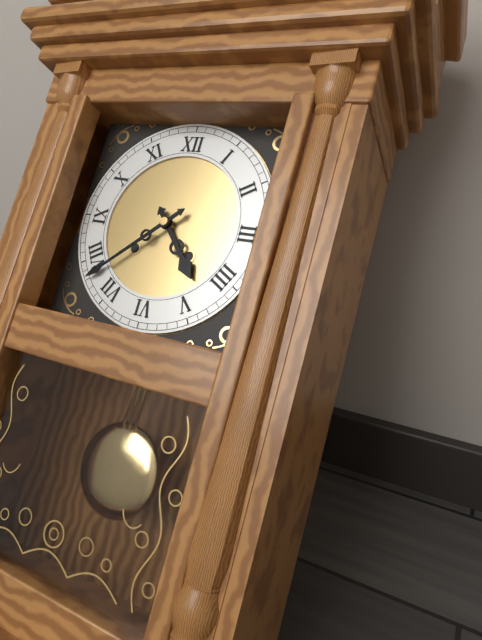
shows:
4,38
